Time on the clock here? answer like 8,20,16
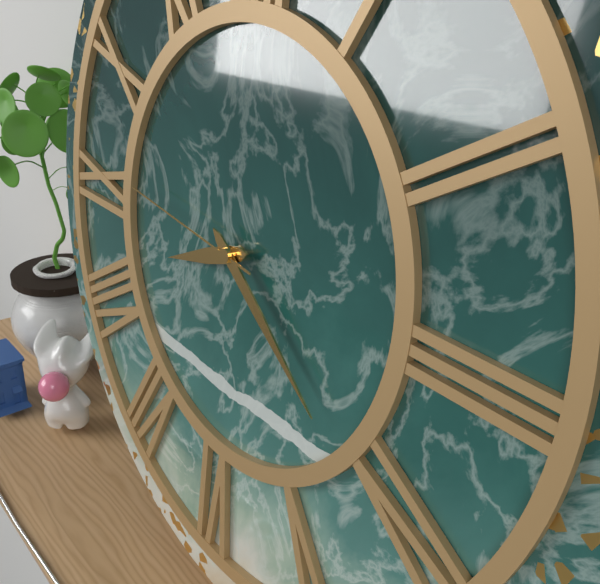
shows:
8,21,46
